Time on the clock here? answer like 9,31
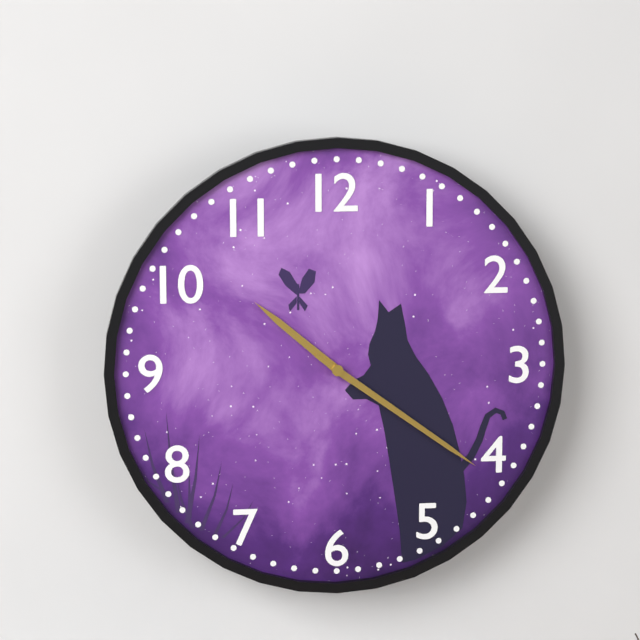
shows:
10,21
